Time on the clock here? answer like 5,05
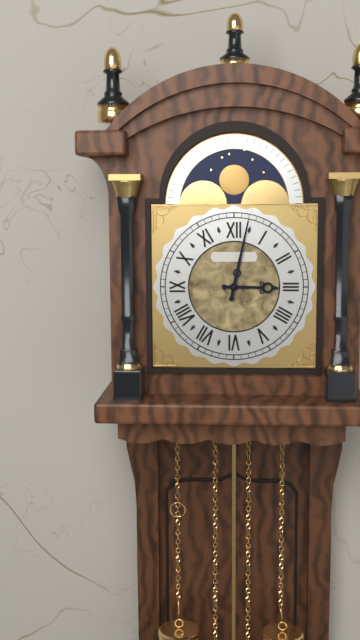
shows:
3,02
